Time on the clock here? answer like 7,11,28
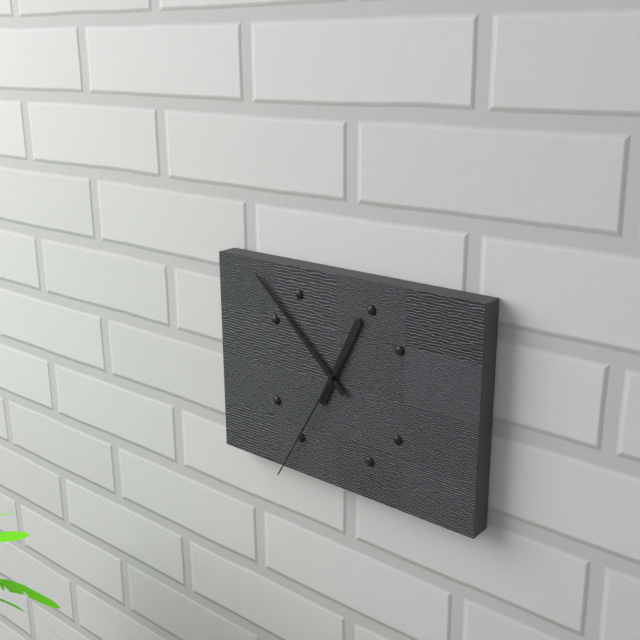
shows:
12,52,35
